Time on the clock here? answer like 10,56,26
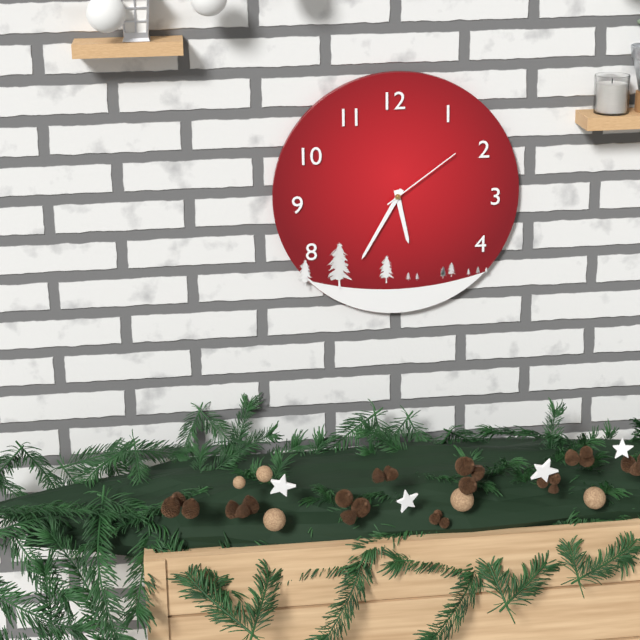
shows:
5,35,09
